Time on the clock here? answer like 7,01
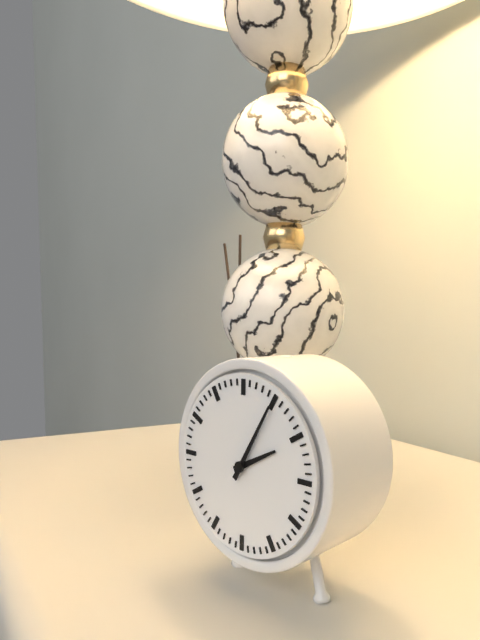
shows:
2,05
